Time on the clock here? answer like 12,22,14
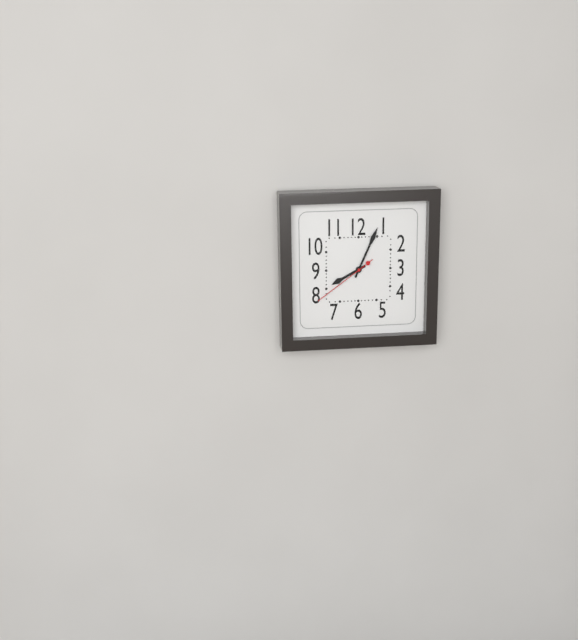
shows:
8,04,39
